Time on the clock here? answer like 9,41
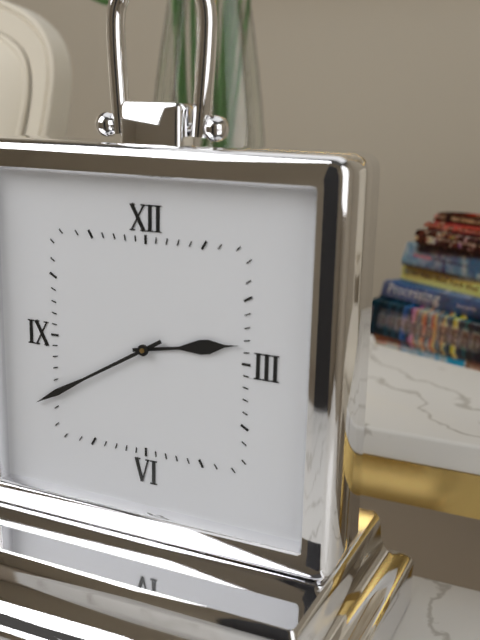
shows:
2,40
